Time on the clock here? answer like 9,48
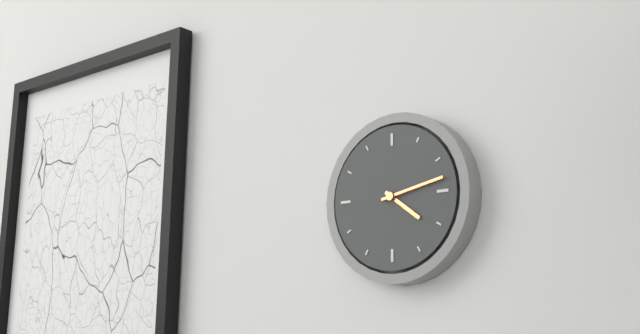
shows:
4,13
